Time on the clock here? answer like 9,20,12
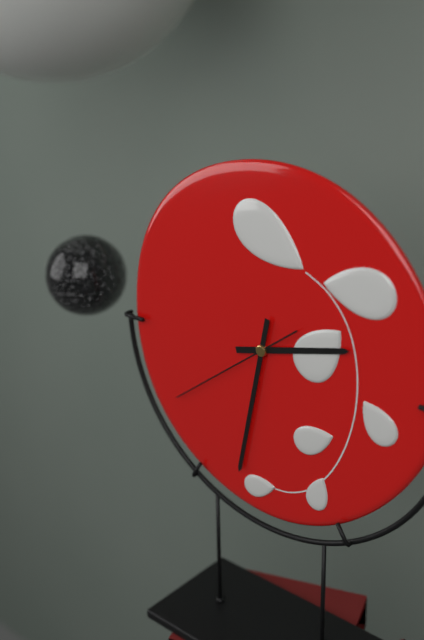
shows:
2,32,39
